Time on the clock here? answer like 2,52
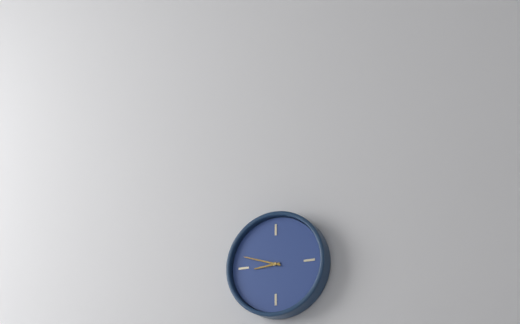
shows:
8,48
